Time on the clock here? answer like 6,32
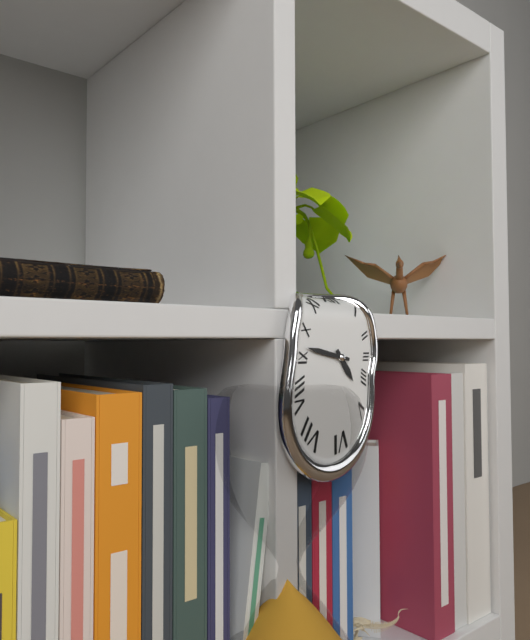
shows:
4,47
